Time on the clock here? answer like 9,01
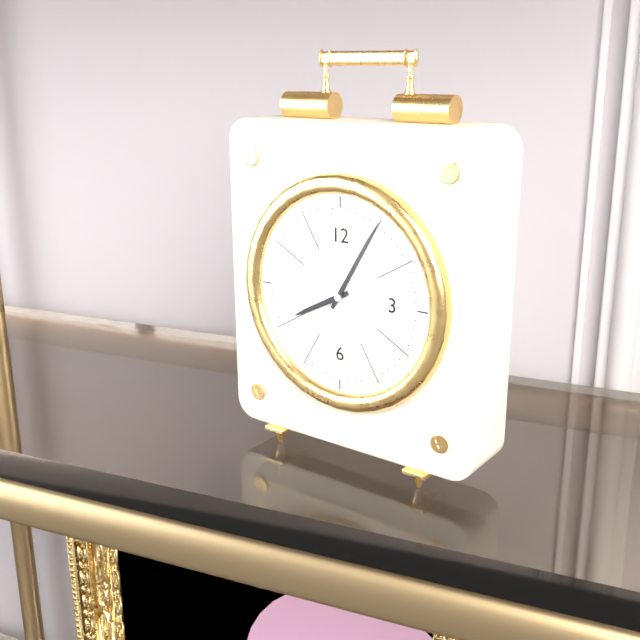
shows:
8,05
